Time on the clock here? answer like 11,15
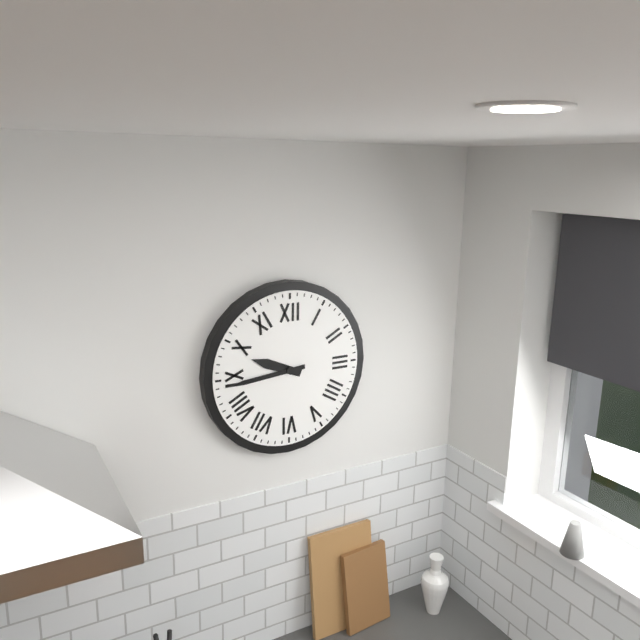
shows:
9,44
